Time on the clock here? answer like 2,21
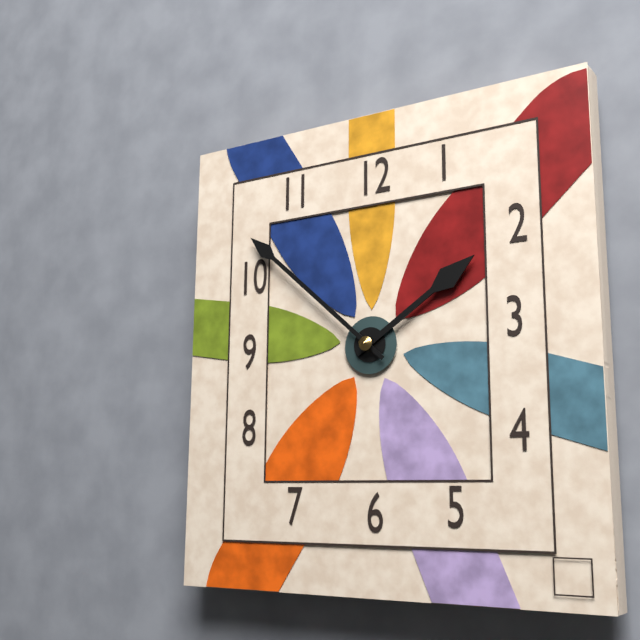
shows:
1,52
